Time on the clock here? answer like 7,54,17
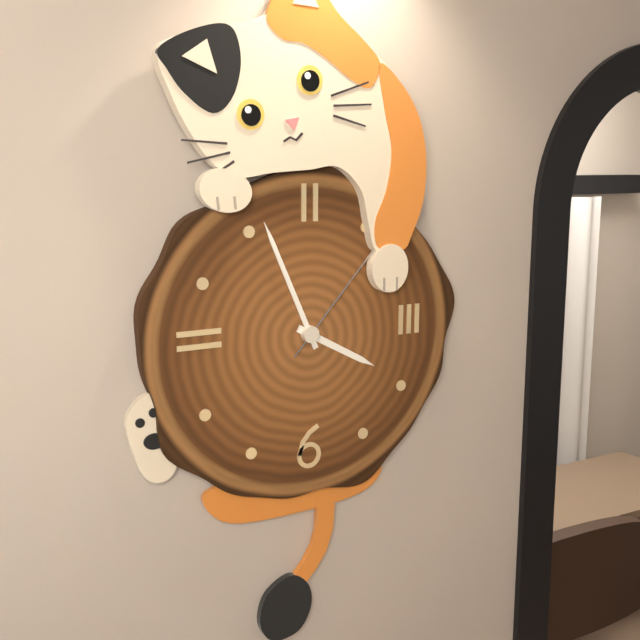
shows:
3,56,07
